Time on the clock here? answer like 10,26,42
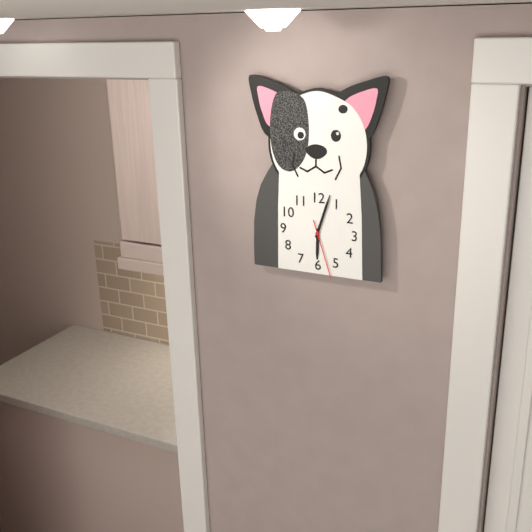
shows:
6,03,27
